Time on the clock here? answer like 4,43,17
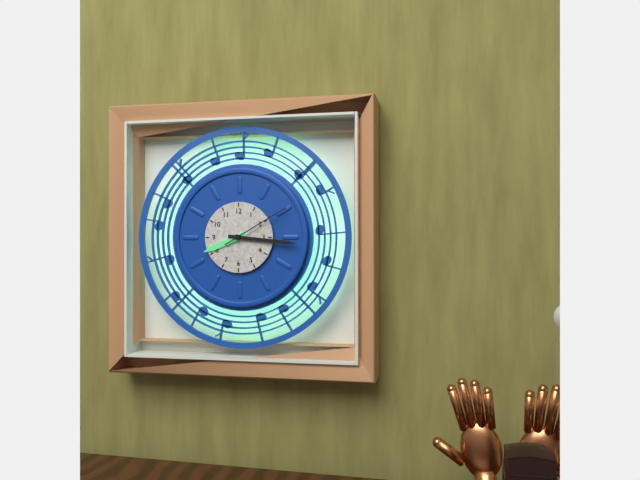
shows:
8,16,10
